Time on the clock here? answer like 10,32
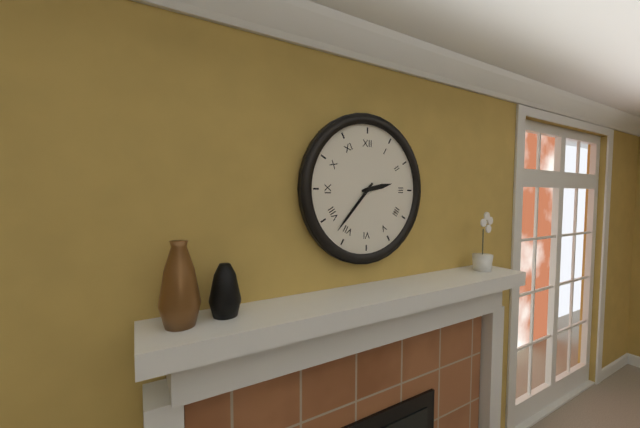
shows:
2,37
